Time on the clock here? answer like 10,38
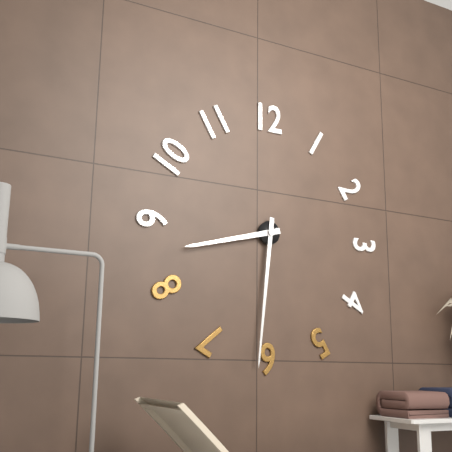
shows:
8,31
